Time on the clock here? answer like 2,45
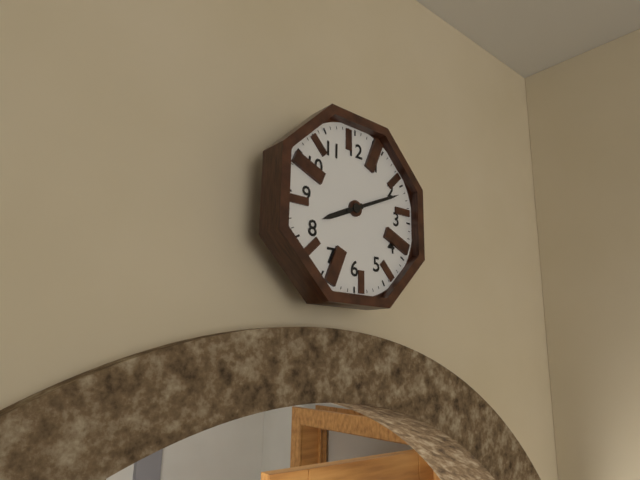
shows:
8,11
